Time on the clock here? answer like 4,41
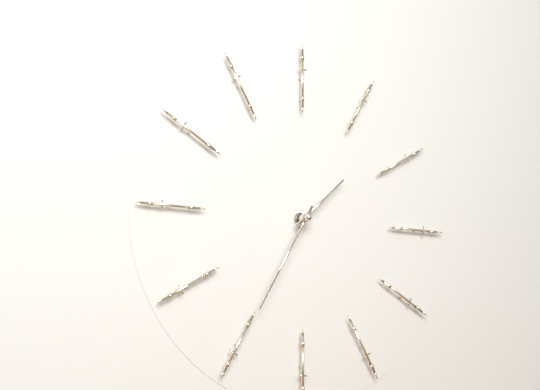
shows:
1,35
